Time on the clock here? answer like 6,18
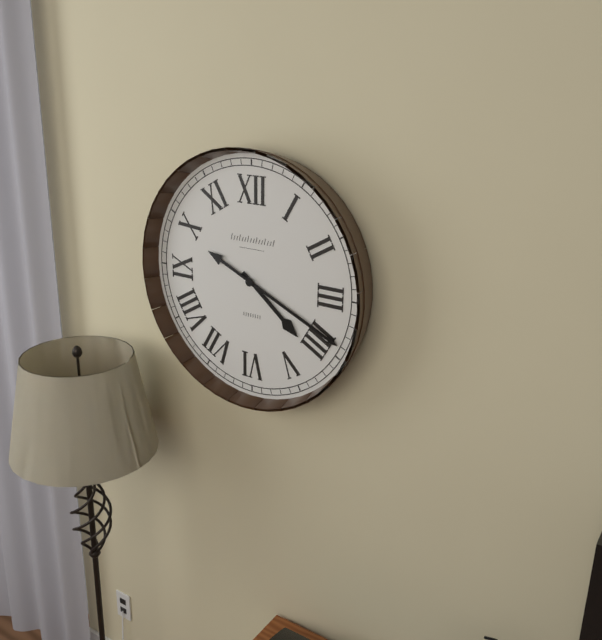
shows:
4,19
